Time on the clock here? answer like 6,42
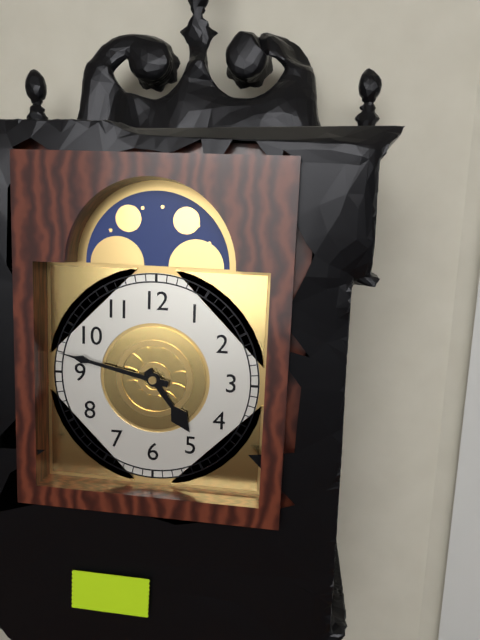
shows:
4,47
